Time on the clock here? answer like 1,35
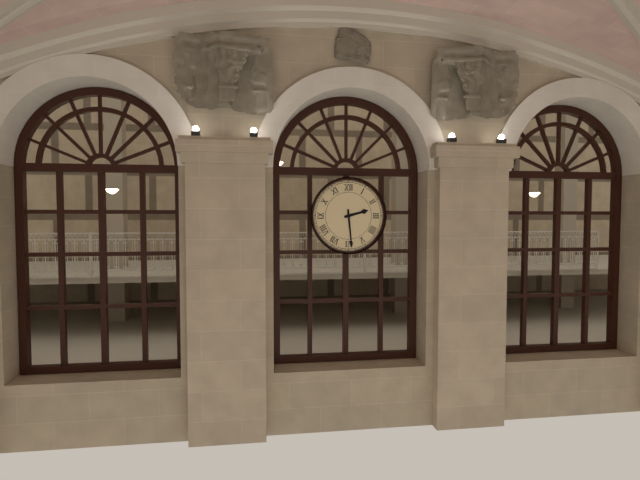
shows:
2,29
